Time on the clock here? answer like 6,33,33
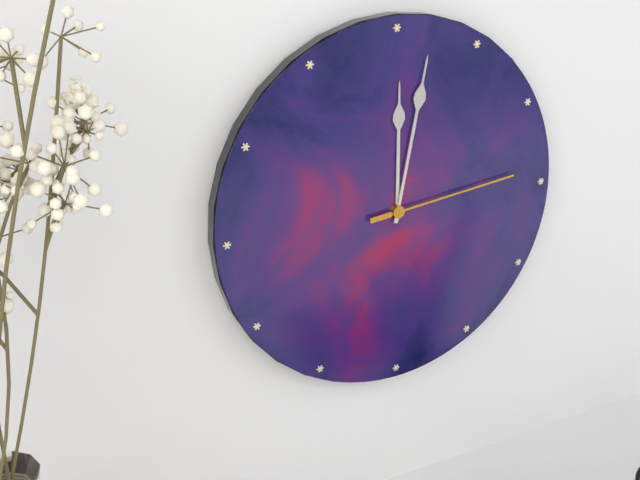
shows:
12,02,14
